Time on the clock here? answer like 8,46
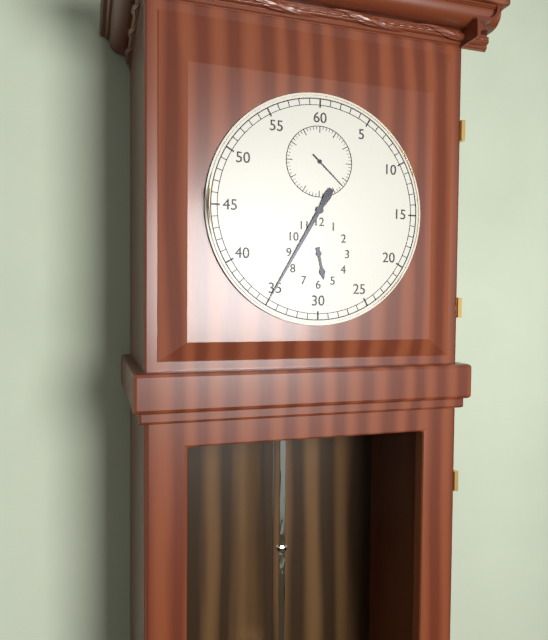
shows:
5,35
